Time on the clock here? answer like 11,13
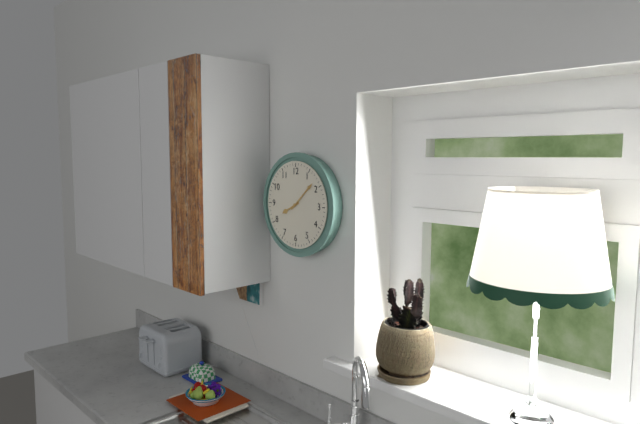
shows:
8,08
